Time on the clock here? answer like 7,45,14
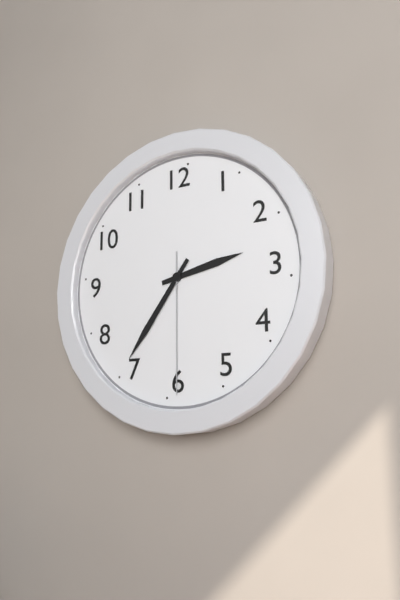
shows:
2,36,30
